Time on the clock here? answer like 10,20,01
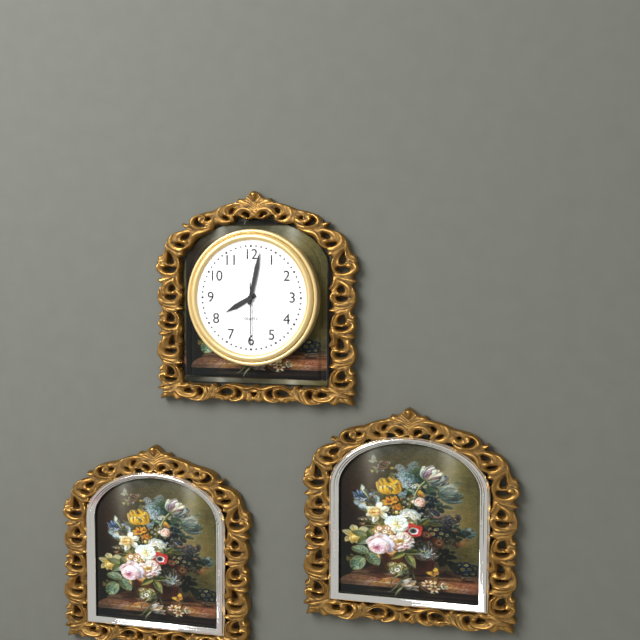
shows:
8,02,30
